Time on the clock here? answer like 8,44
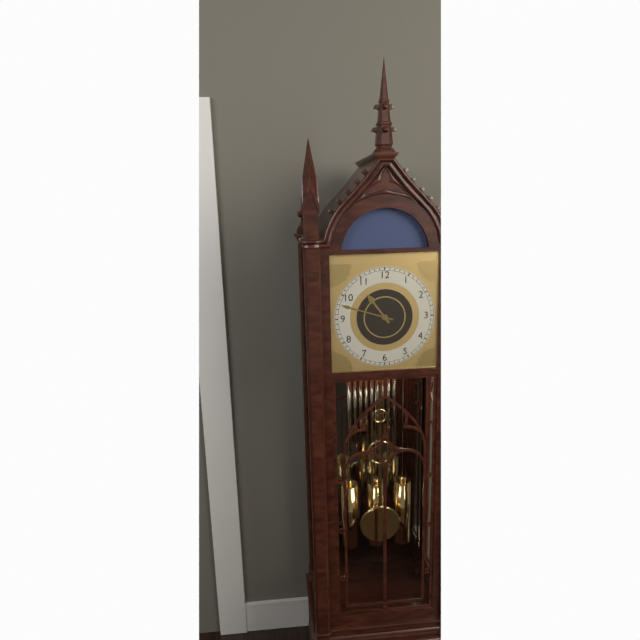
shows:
10,48
